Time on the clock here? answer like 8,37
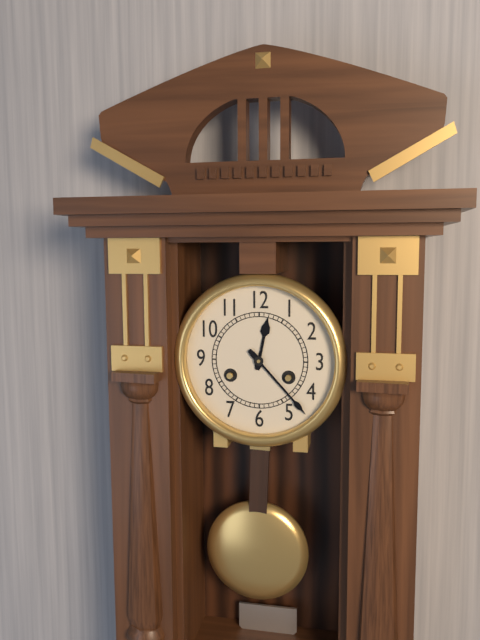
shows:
12,23
